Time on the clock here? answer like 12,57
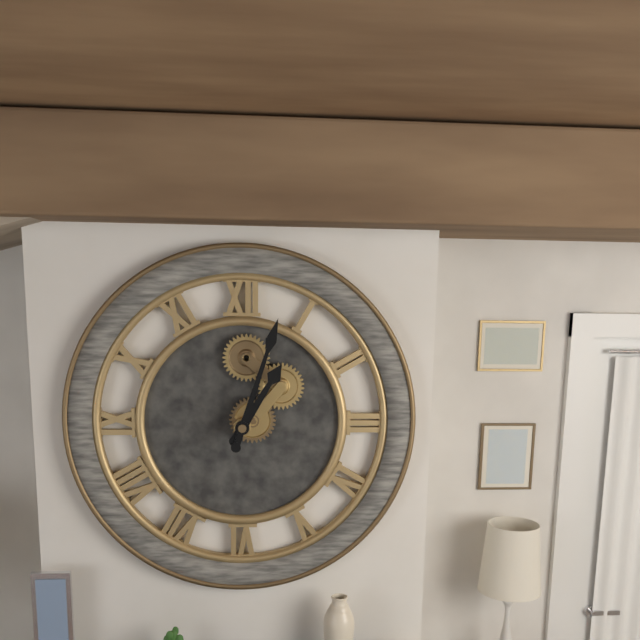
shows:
1,03
